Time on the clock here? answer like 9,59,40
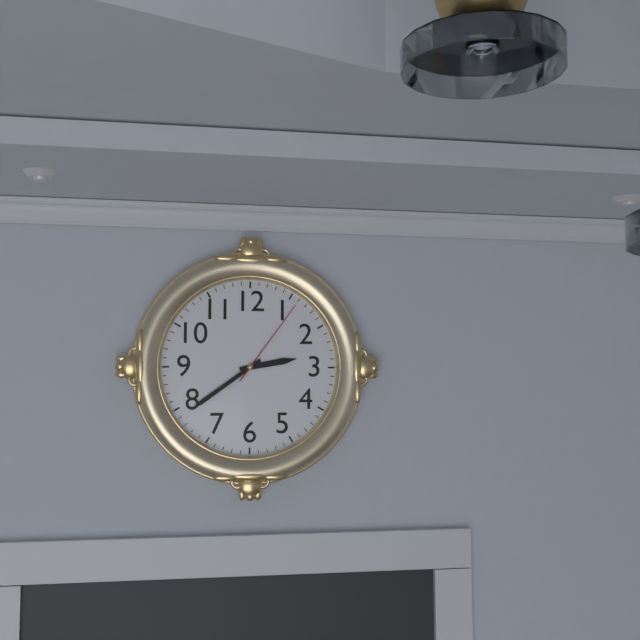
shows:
2,39,06
